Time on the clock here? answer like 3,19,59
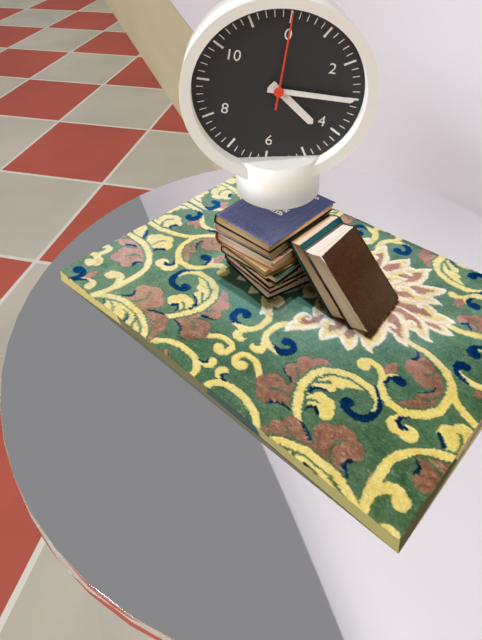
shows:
4,15,00
